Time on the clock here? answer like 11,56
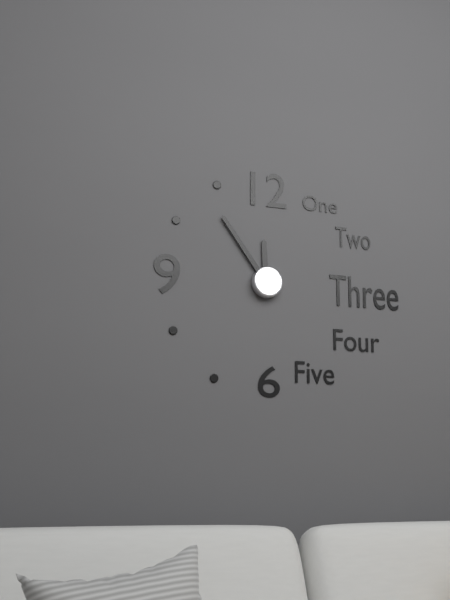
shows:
11,54
